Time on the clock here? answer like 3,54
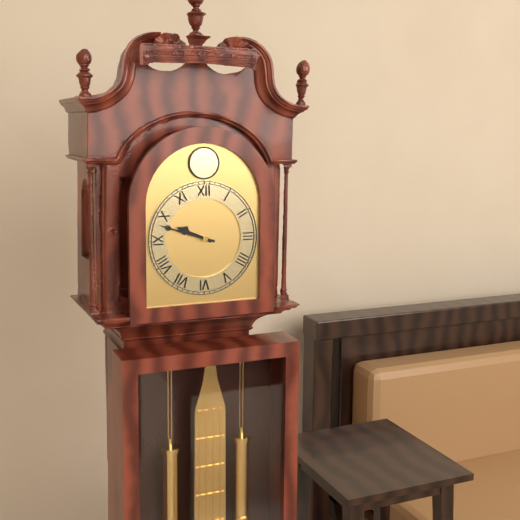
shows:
9,48
